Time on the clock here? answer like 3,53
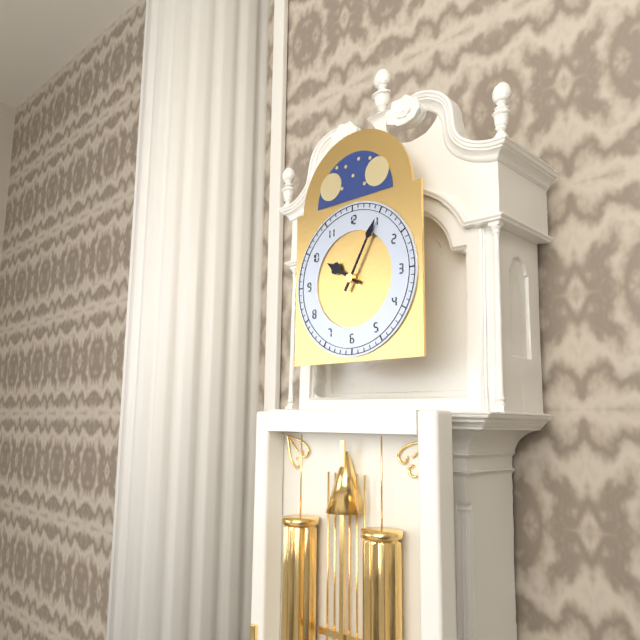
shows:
10,05
